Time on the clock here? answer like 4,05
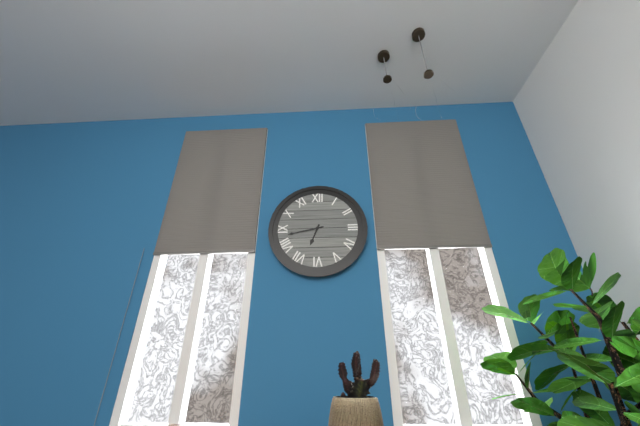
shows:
6,43
